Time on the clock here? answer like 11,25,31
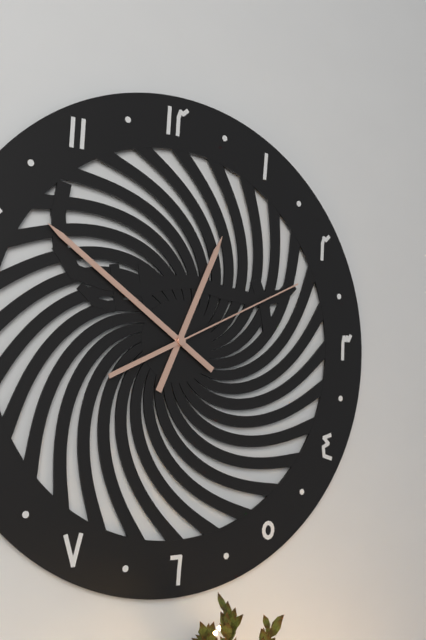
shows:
12,51,11
